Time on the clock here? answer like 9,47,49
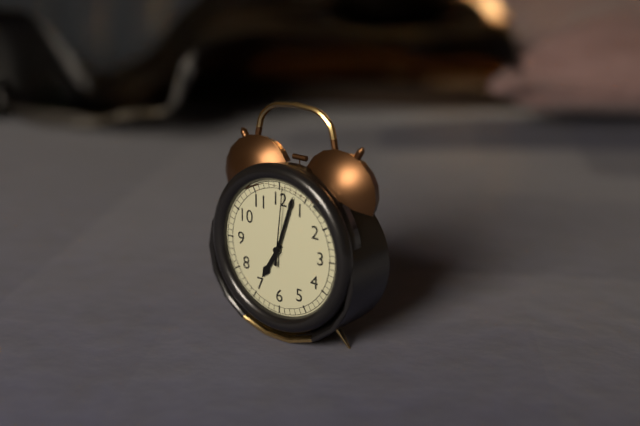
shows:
7,03,01
